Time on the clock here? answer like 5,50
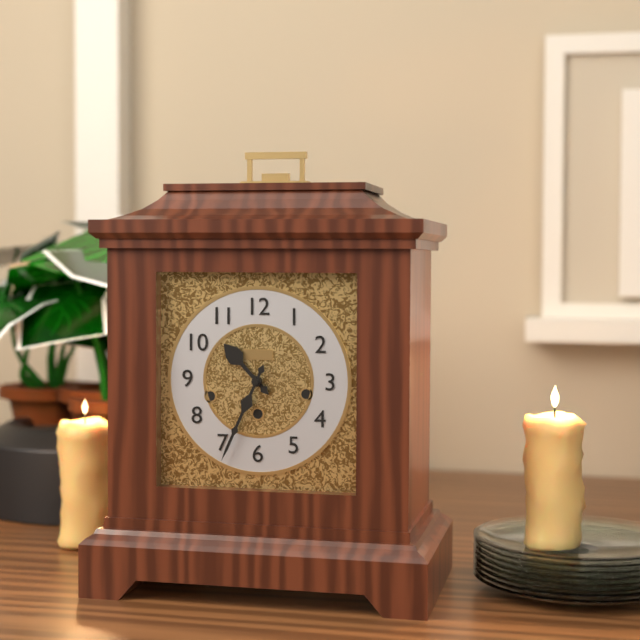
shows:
10,34
